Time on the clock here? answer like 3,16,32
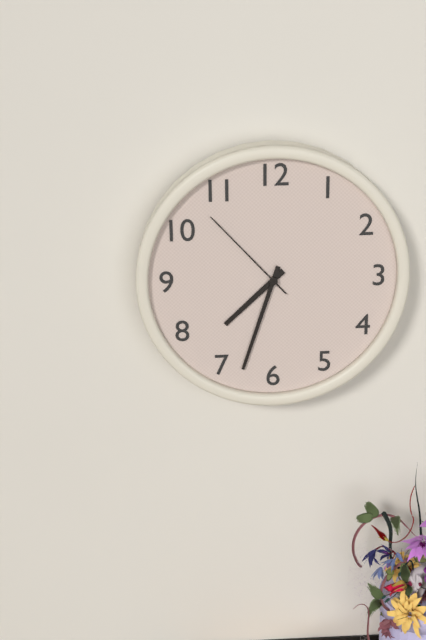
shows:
7,33,53
